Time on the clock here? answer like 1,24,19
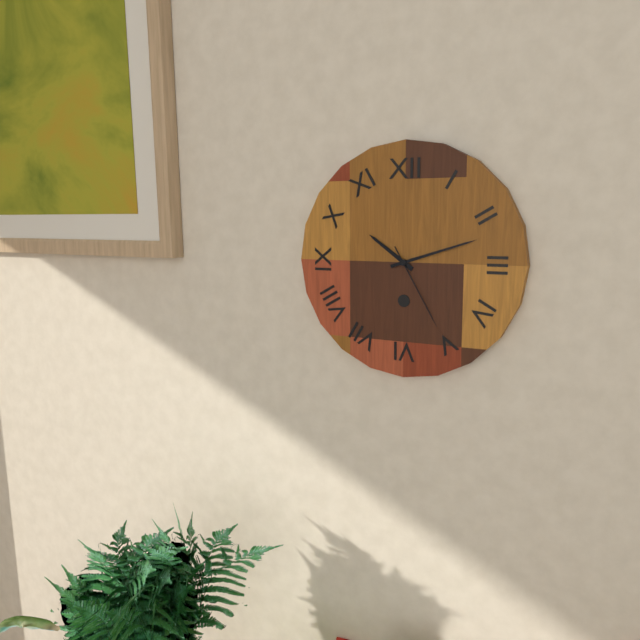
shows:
10,12,25
